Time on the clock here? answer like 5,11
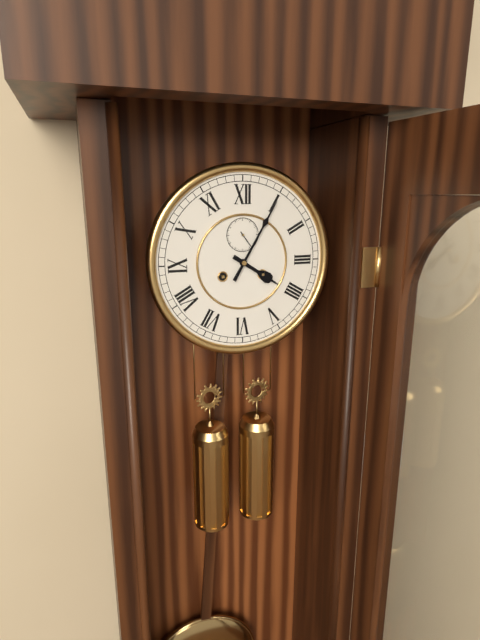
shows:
4,05
